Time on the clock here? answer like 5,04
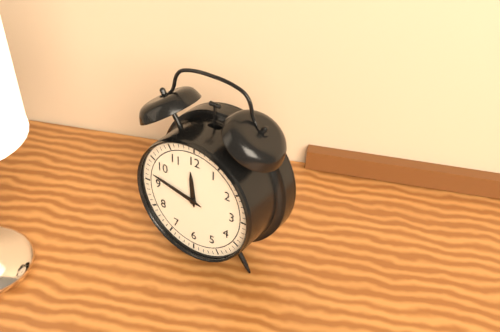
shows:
11,47
